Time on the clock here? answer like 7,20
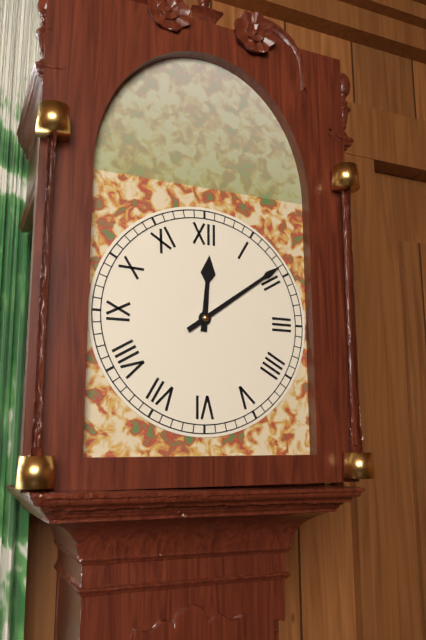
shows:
12,09
